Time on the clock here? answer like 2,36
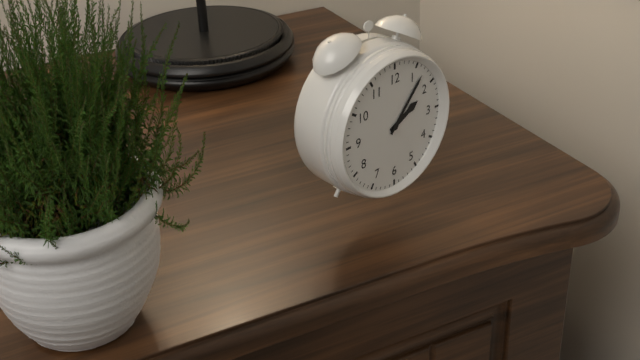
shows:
2,07
